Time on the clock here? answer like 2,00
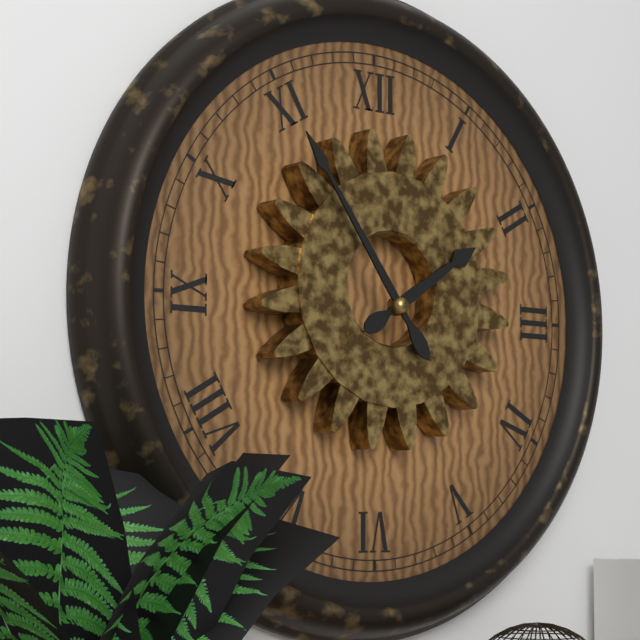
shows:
1,54
